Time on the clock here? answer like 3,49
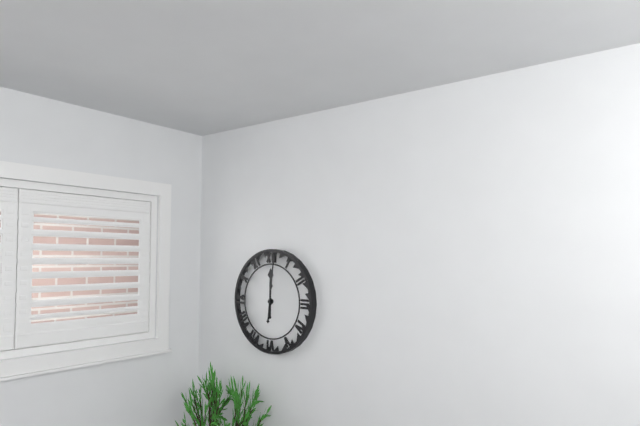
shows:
12,01
